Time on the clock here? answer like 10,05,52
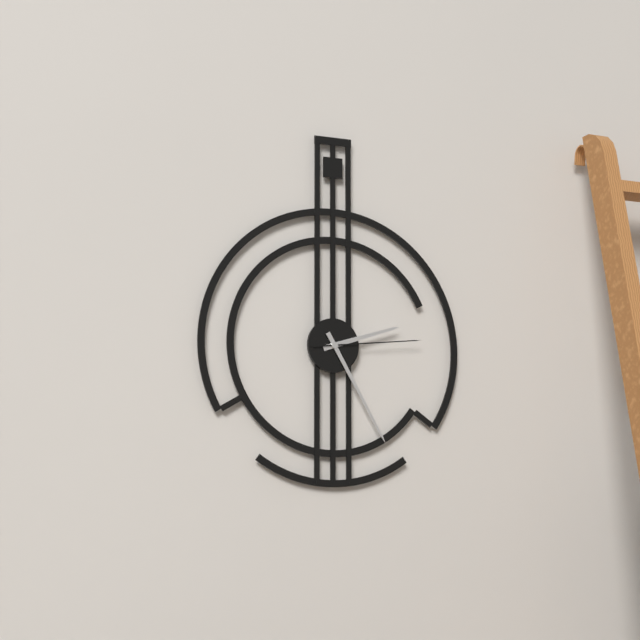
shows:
2,25,14
